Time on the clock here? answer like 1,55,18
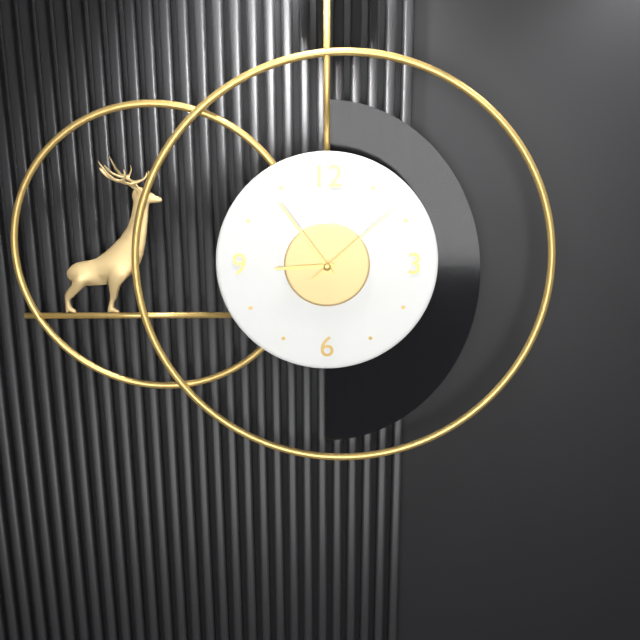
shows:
8,54,08
